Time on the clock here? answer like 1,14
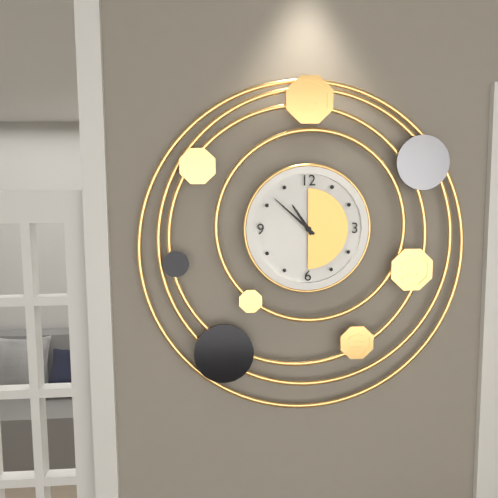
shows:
10,52
